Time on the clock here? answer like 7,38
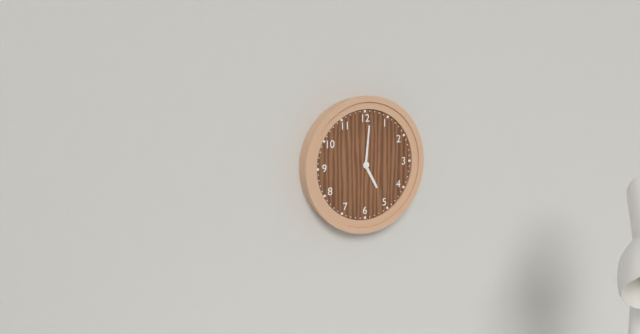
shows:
5,01
